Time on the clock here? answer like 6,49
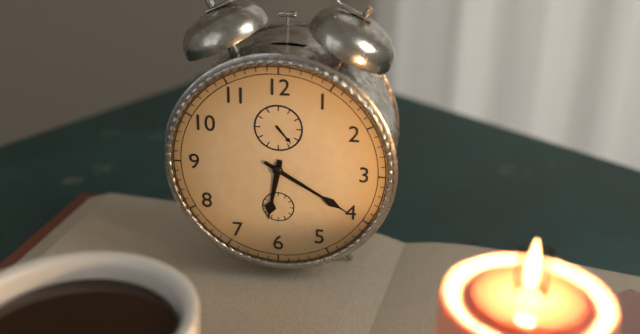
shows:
6,20
